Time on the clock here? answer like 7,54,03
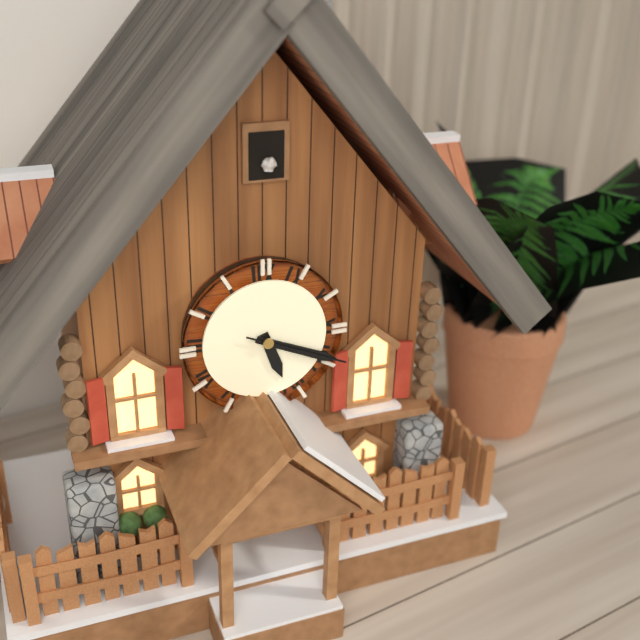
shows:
5,19,19
